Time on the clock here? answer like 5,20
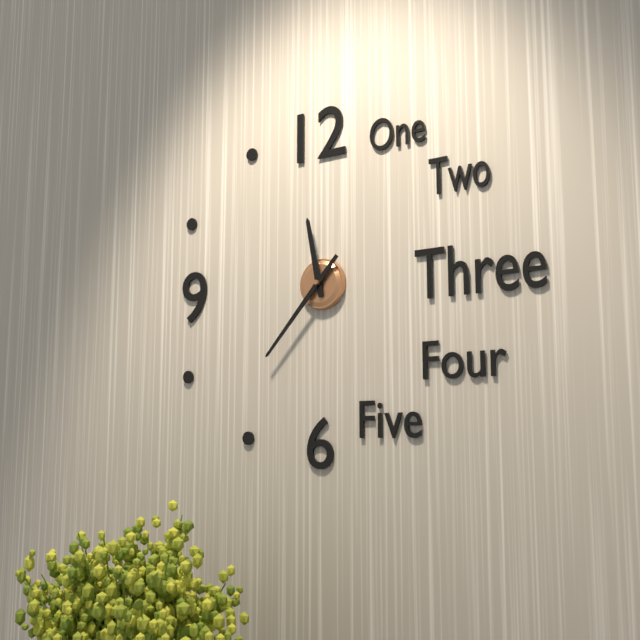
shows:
11,37
